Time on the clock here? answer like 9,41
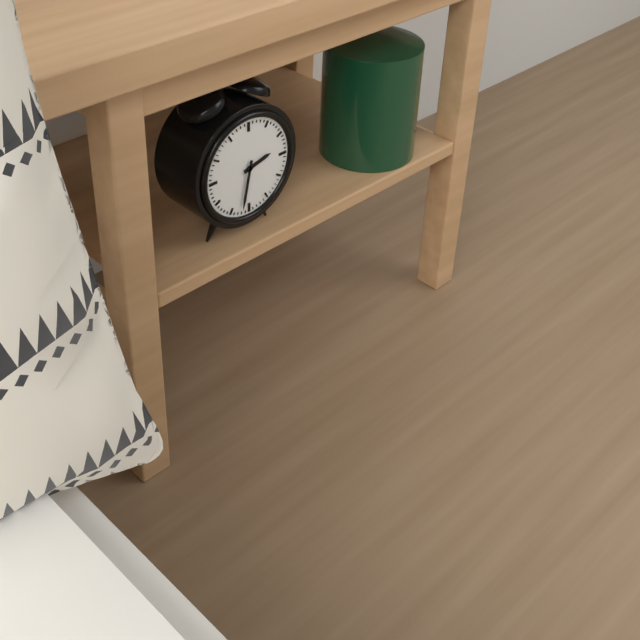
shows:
2,32
